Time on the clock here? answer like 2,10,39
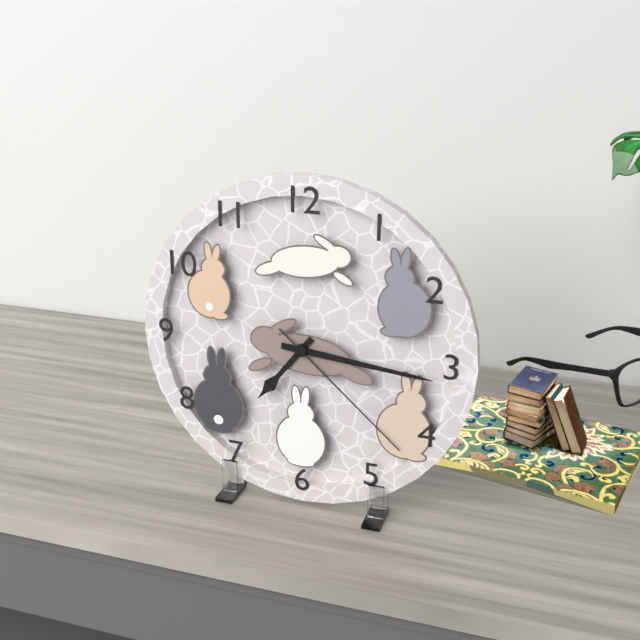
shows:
7,16,22
